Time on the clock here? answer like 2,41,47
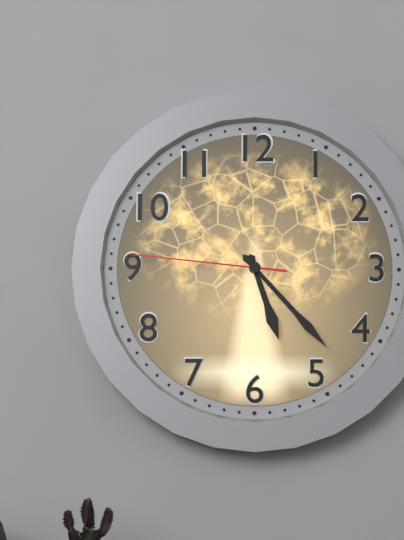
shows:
5,23,46
